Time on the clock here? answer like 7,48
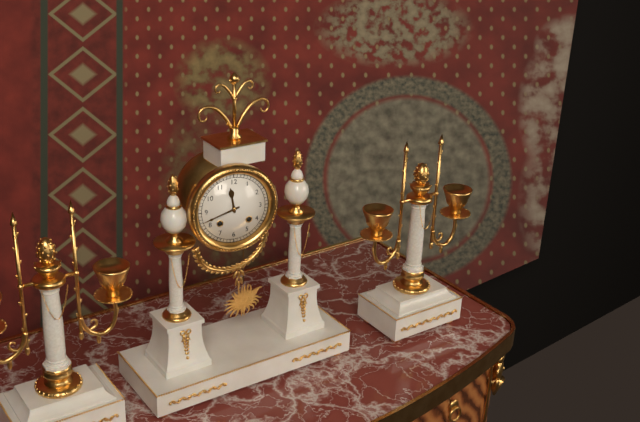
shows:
11,42
